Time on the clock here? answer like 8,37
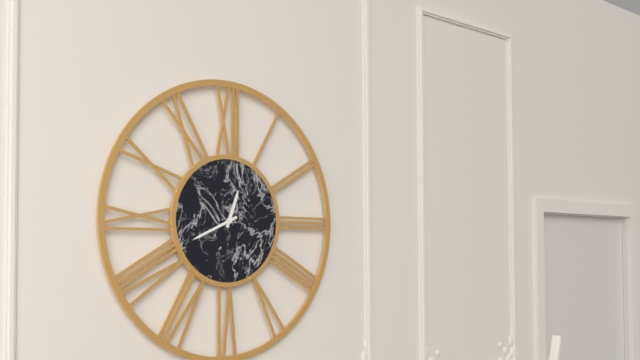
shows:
12,41
